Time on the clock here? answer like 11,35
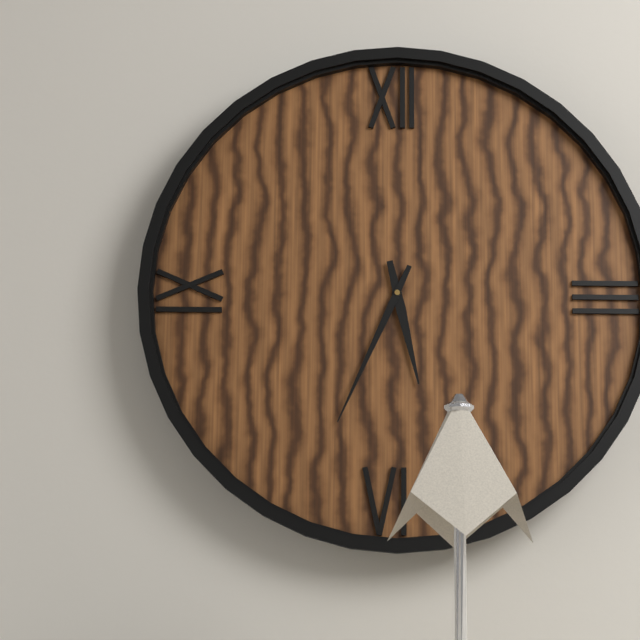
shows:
5,34
